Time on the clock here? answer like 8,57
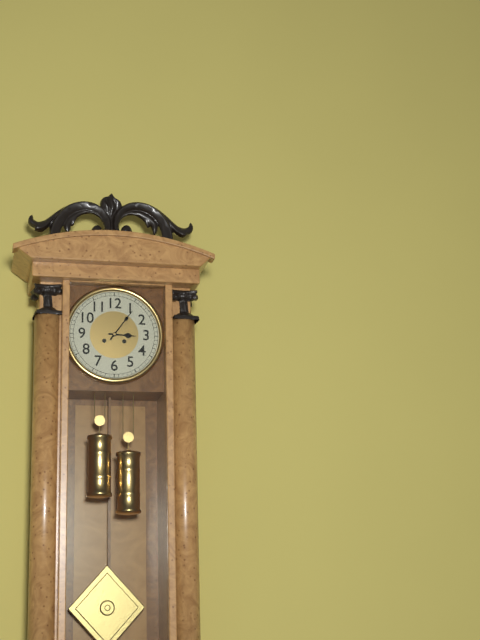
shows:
3,06
